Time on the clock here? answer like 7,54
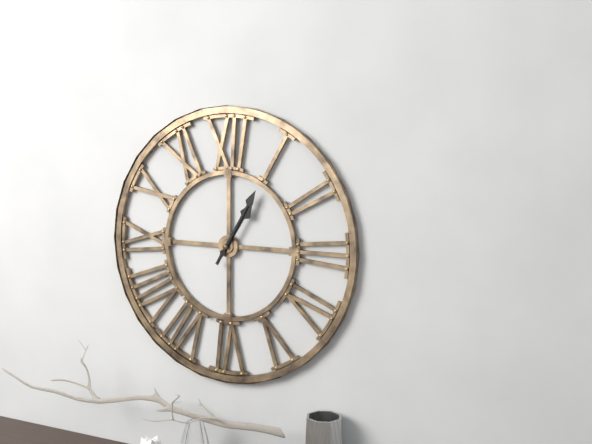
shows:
1,05
